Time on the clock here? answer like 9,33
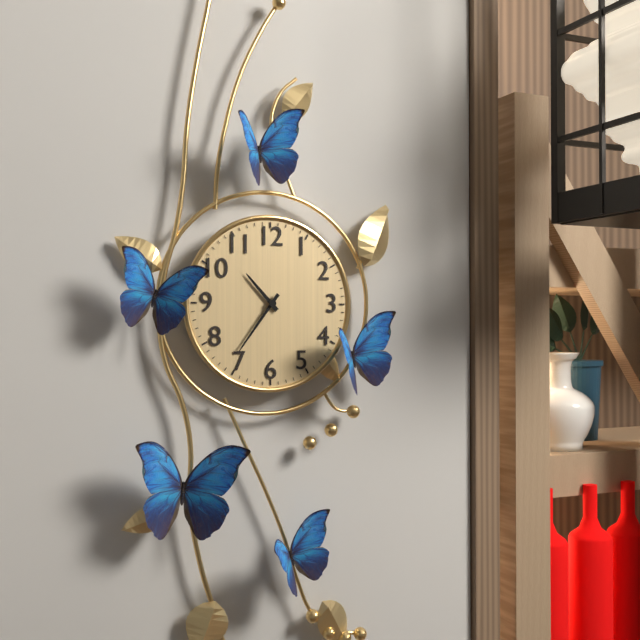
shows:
10,36
